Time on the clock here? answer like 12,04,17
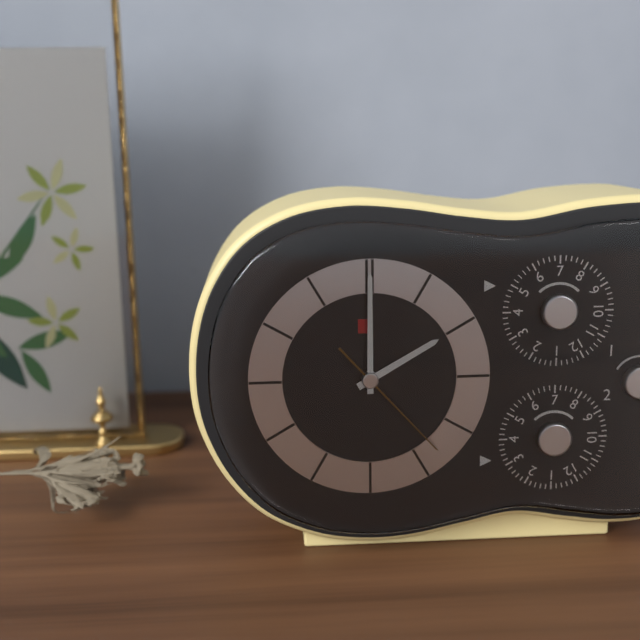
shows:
2,00,23
